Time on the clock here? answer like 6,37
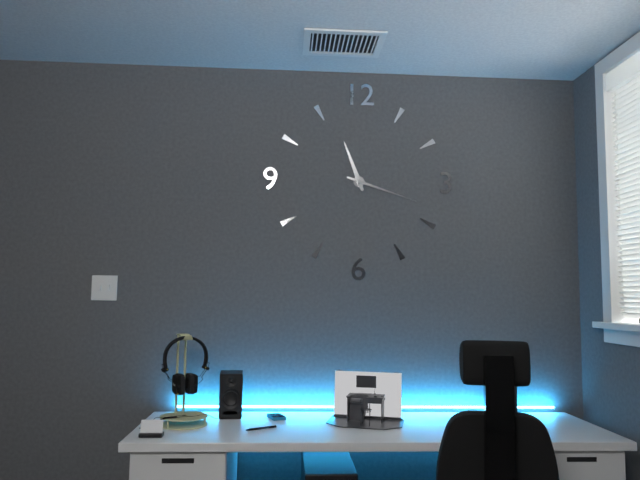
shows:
11,18
